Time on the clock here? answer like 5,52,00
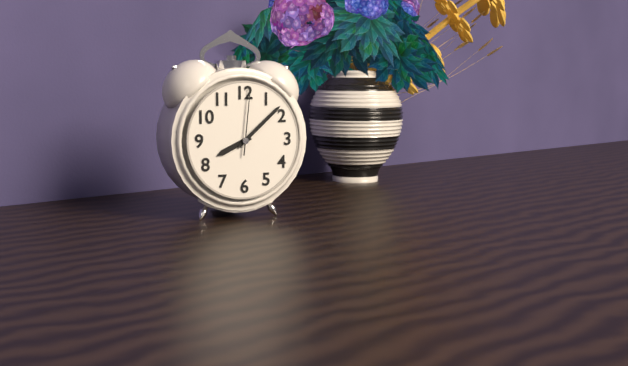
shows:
8,08,01
